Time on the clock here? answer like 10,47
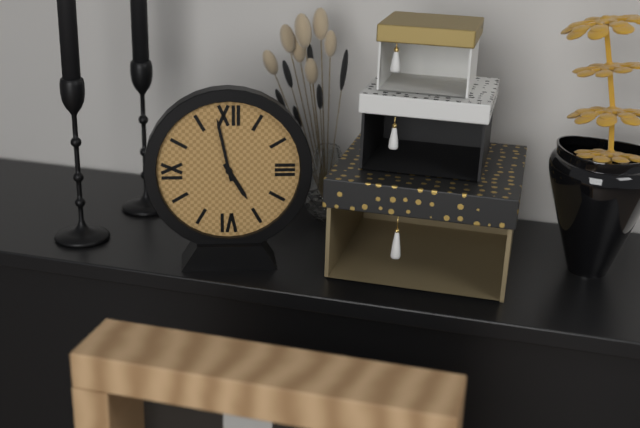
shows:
4,58
